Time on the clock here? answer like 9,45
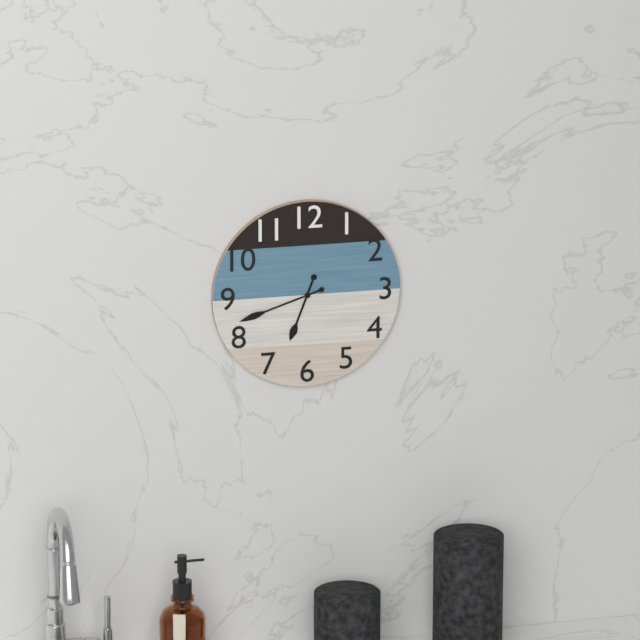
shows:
6,42
